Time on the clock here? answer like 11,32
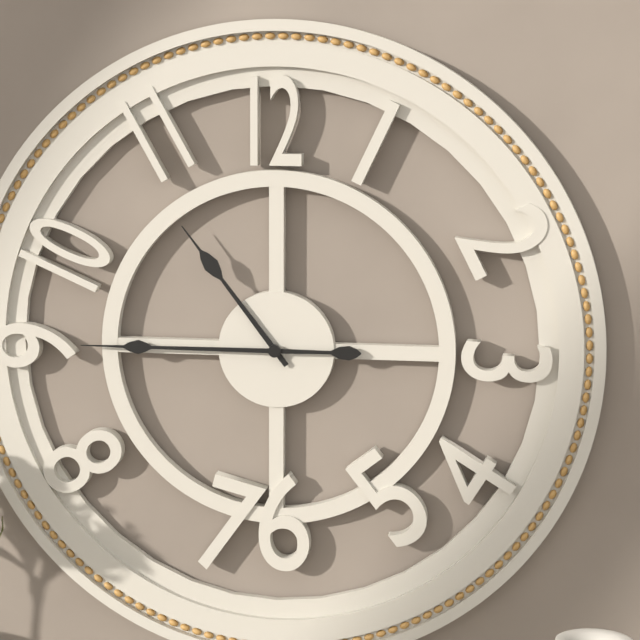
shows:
10,45
